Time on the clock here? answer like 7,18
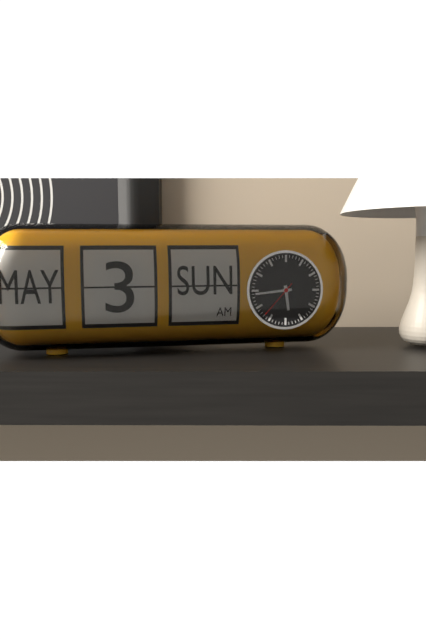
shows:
5,44
